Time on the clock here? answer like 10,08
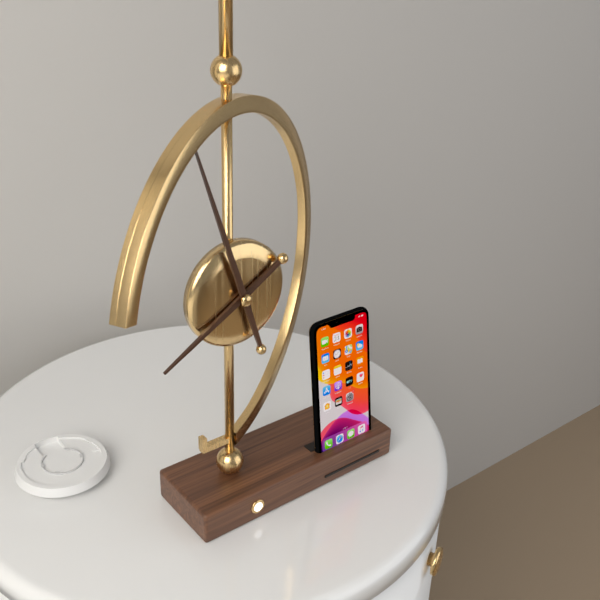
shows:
7,57
